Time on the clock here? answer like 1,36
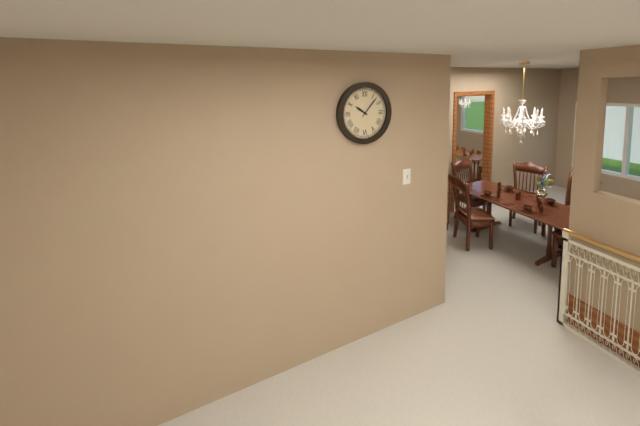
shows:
10,07
